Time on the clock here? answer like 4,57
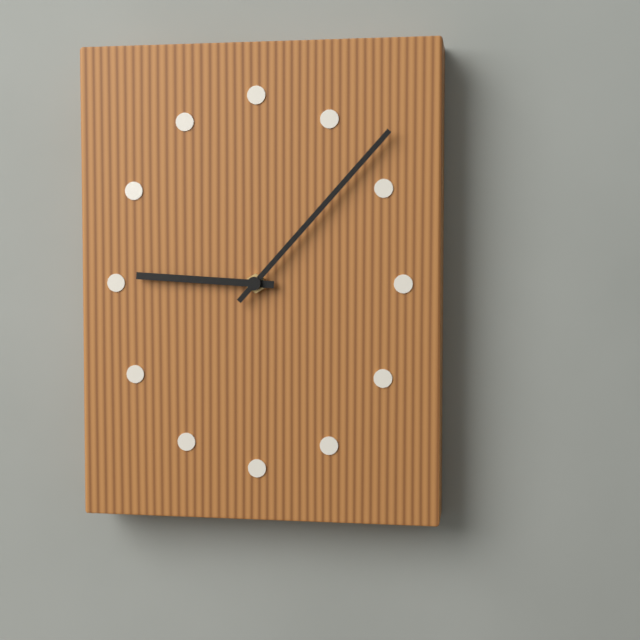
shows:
9,07
